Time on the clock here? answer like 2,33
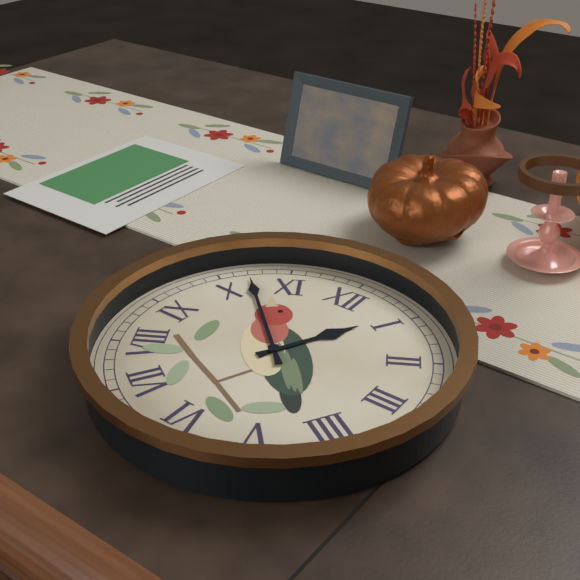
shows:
12,52
